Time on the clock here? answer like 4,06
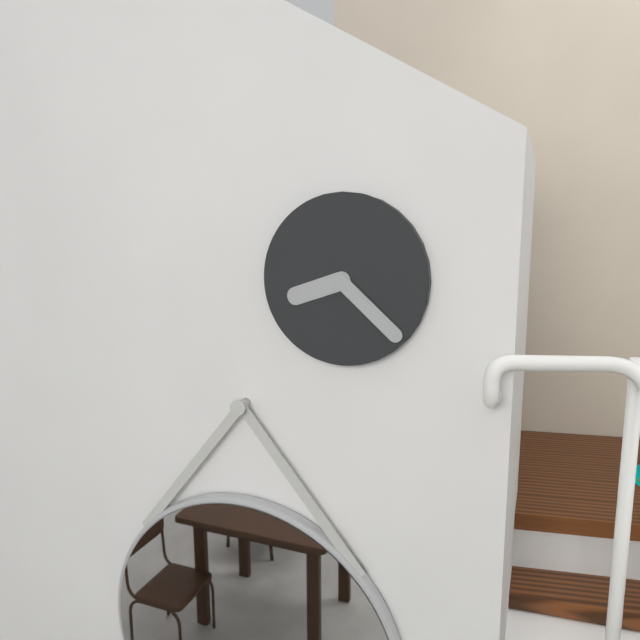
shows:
8,22
